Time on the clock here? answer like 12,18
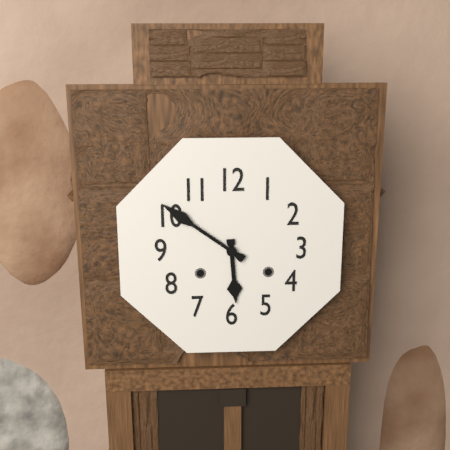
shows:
5,51
